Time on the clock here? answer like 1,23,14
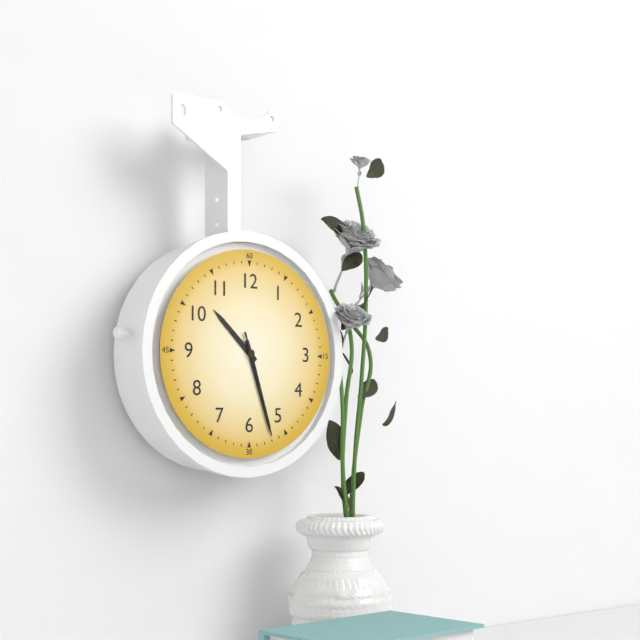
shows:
10,27,27
